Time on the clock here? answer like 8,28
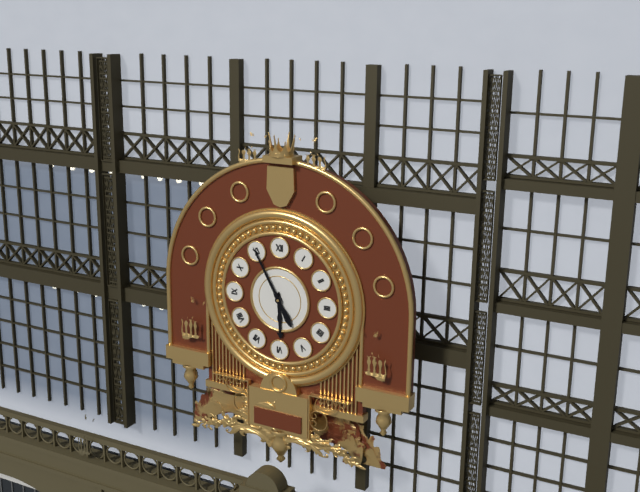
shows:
5,55
